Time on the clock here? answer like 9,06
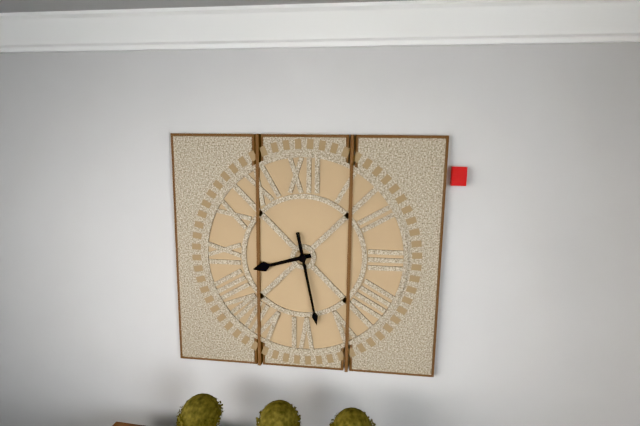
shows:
8,28
